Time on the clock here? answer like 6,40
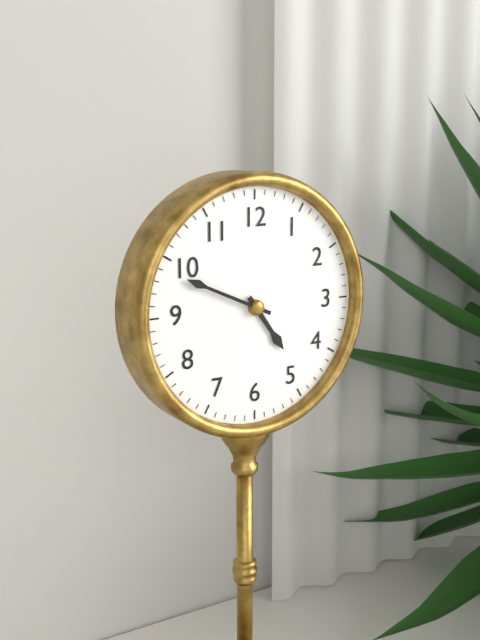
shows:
4,49
